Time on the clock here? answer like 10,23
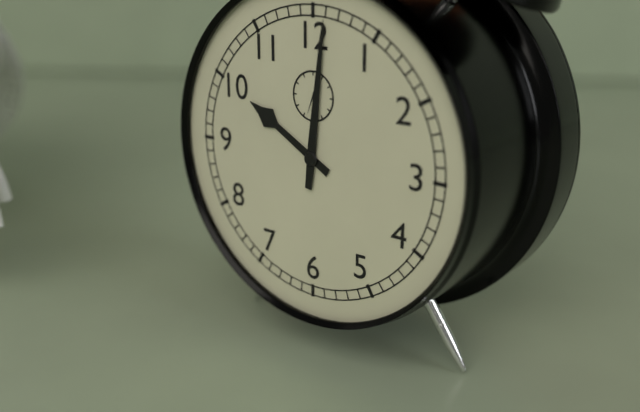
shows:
10,01
